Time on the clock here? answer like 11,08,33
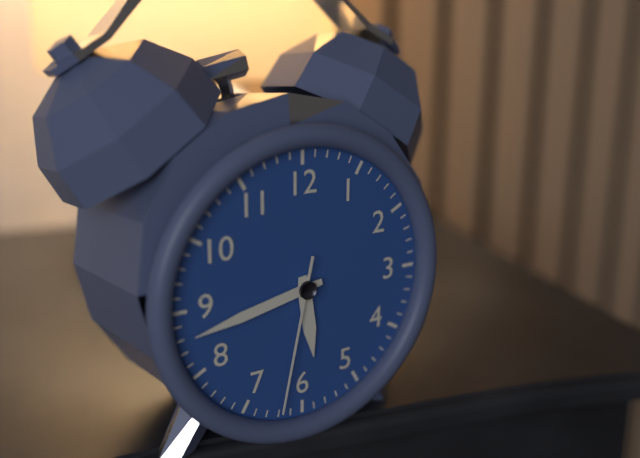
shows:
5,43,32
